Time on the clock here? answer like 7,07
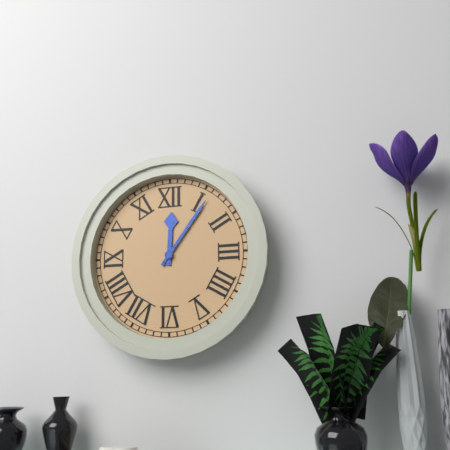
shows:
12,06
